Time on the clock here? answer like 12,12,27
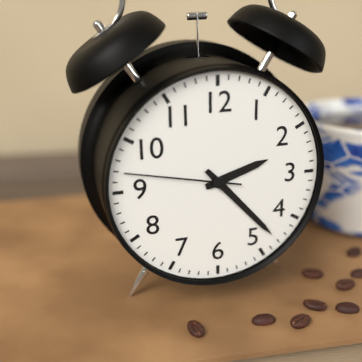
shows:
2,23,47
